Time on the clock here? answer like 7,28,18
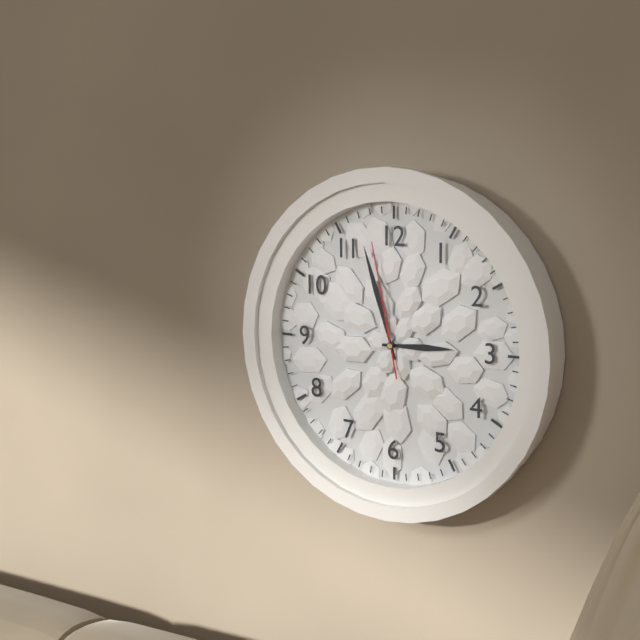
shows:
2,57,58
